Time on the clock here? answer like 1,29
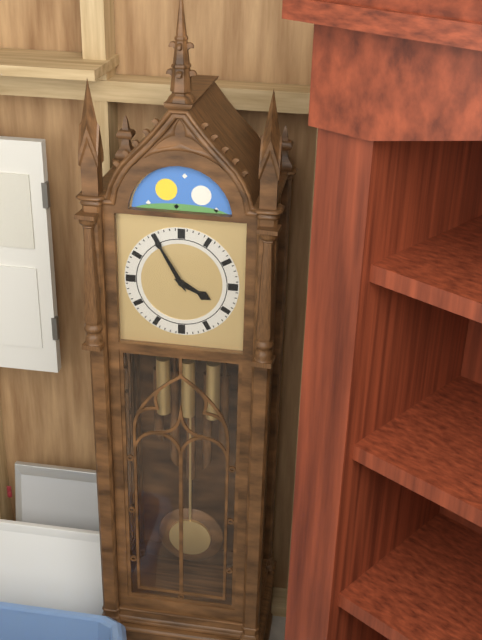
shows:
3,55
